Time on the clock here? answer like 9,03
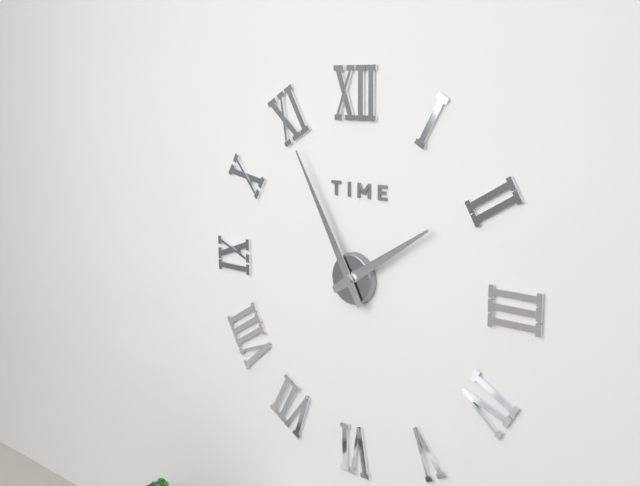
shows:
1,55
